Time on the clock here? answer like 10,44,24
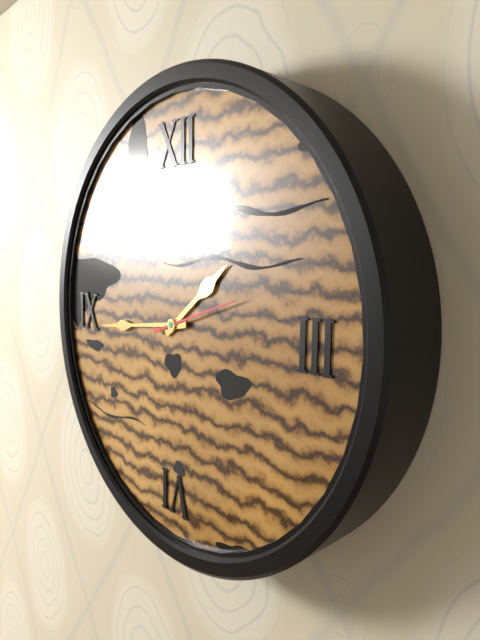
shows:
1,44,12
